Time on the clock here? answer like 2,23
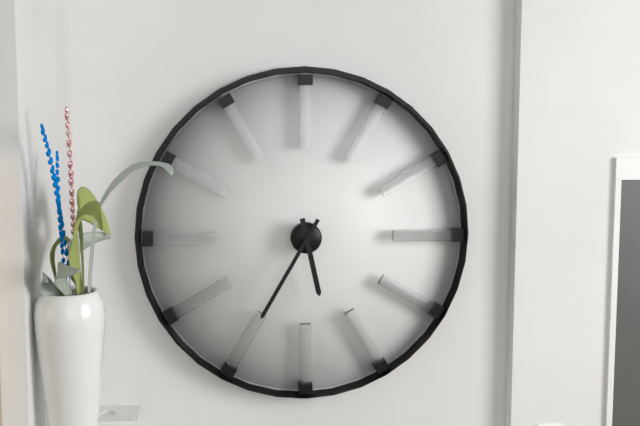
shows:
5,35
